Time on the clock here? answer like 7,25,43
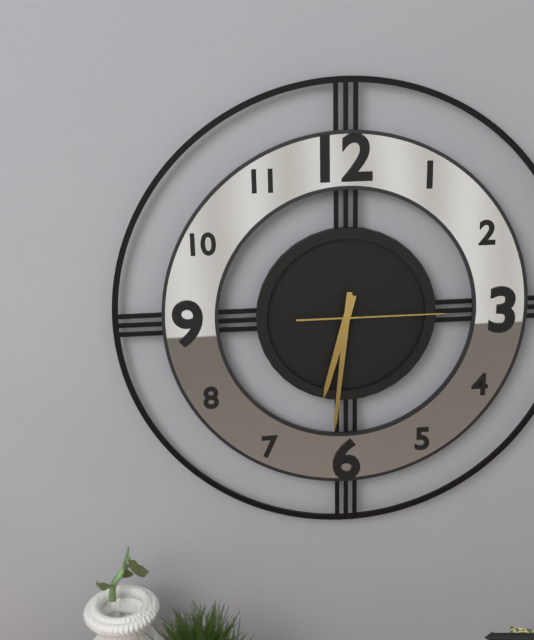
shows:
6,31,15
